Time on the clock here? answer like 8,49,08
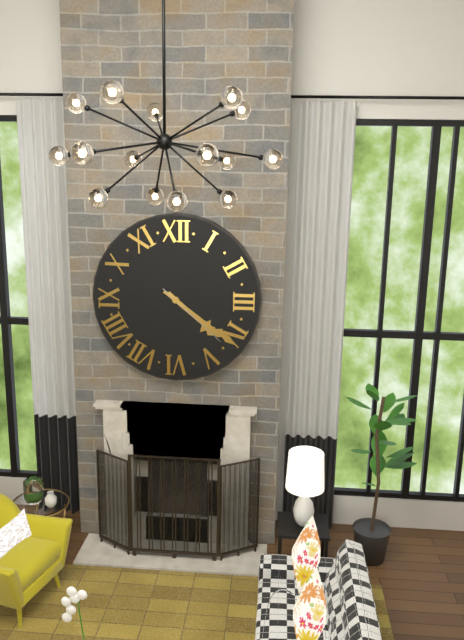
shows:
4,21,22
